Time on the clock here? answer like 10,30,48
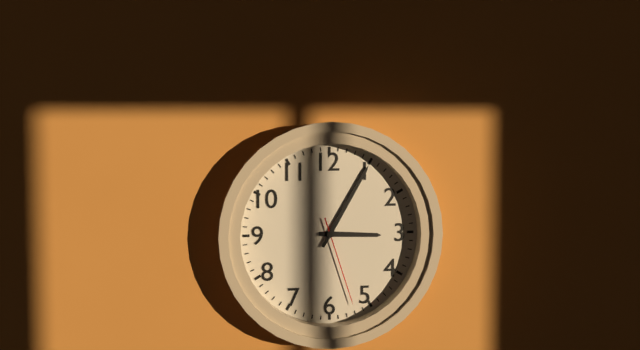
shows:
3,05,27
